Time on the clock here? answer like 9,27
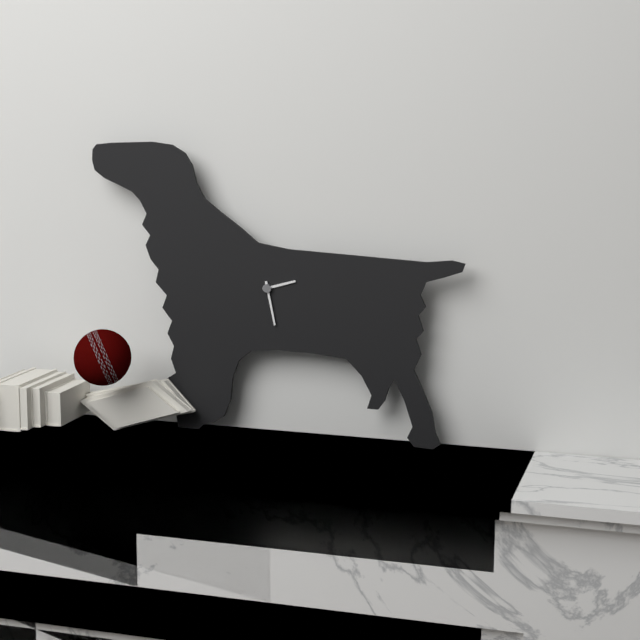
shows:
2,28
